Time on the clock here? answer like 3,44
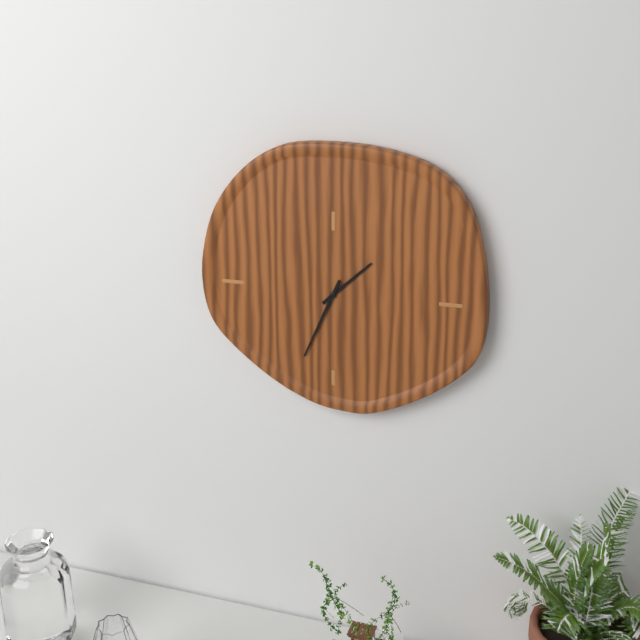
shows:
1,34
